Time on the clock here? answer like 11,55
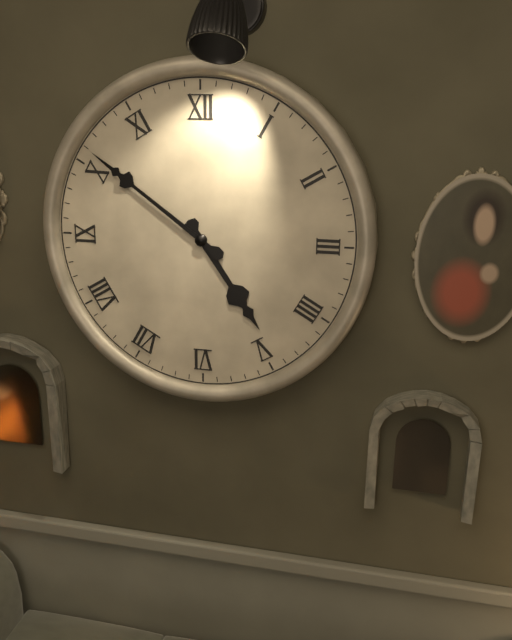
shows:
4,51
